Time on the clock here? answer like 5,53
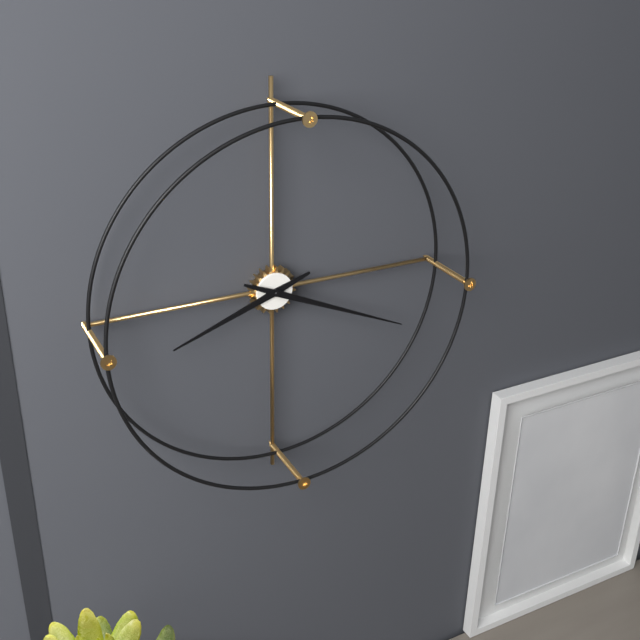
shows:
8,19
